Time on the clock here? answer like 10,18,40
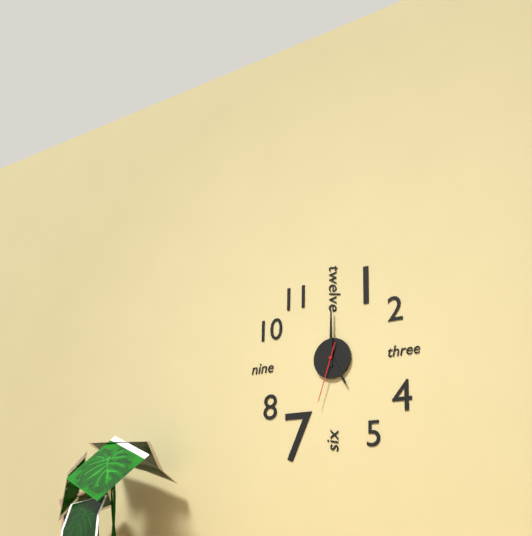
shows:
5,00,33
